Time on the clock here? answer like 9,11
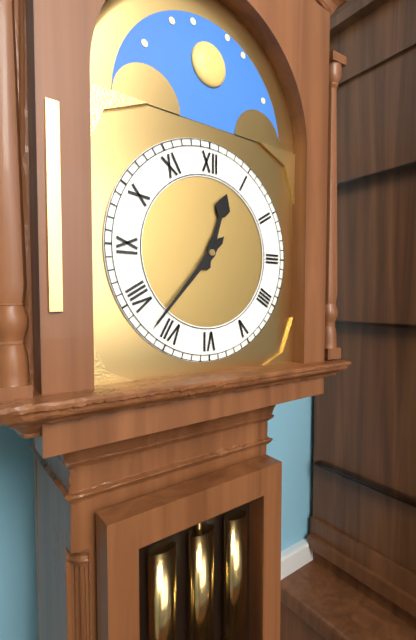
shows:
12,37
